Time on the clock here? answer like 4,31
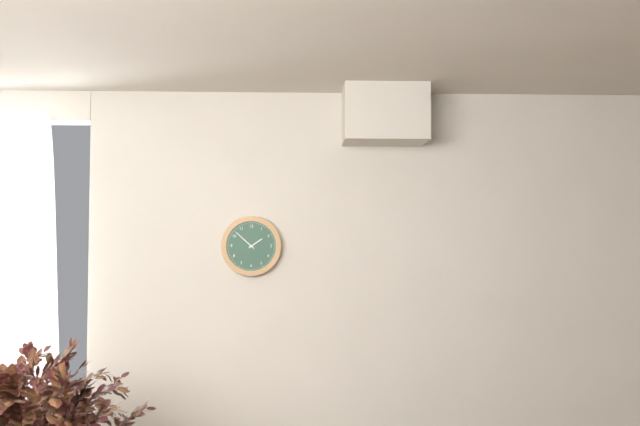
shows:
1,52
